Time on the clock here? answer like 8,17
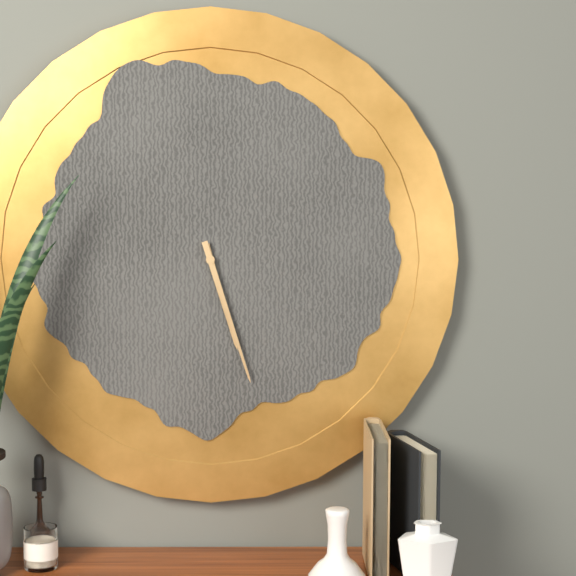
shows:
5,27
